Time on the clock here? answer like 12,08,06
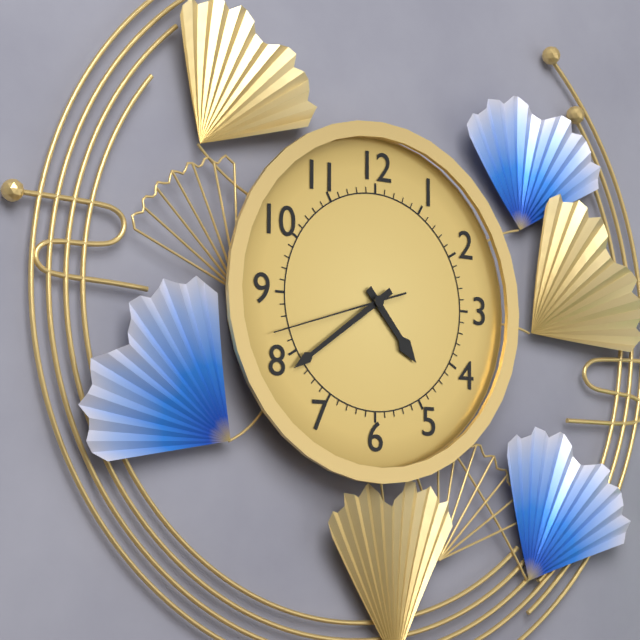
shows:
4,39,42
